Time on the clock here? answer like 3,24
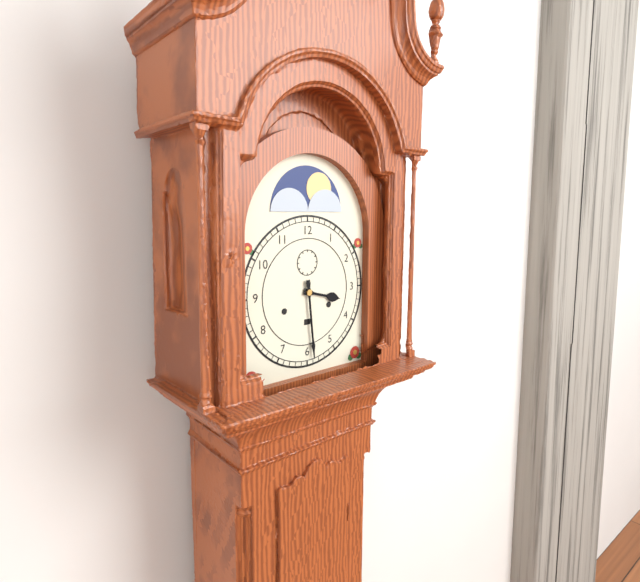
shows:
3,29
